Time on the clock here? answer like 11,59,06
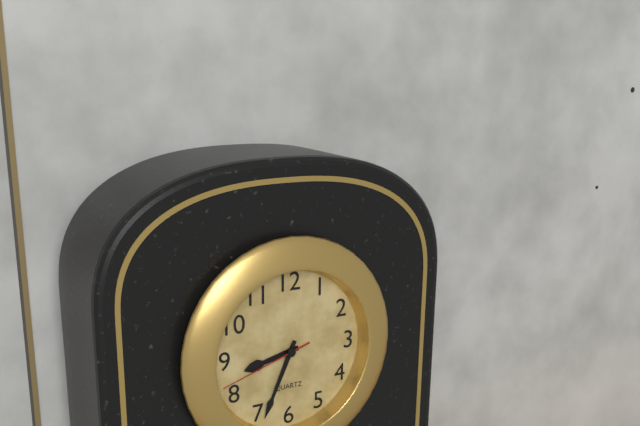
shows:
8,34,42
